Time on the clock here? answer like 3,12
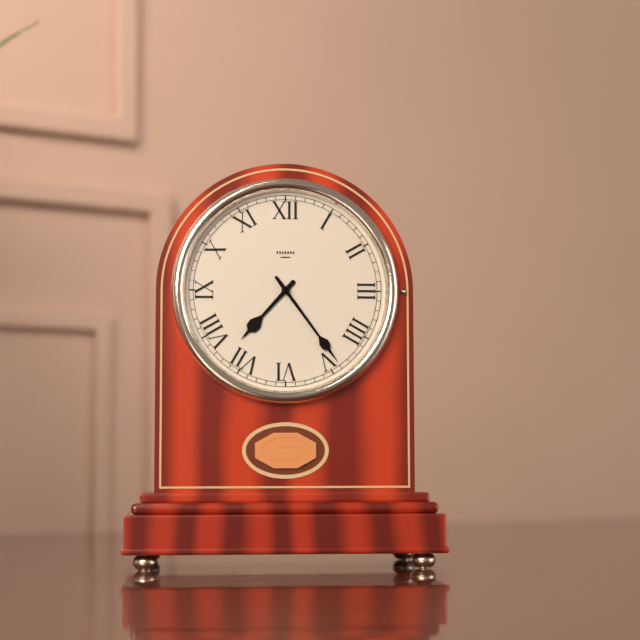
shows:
7,24
